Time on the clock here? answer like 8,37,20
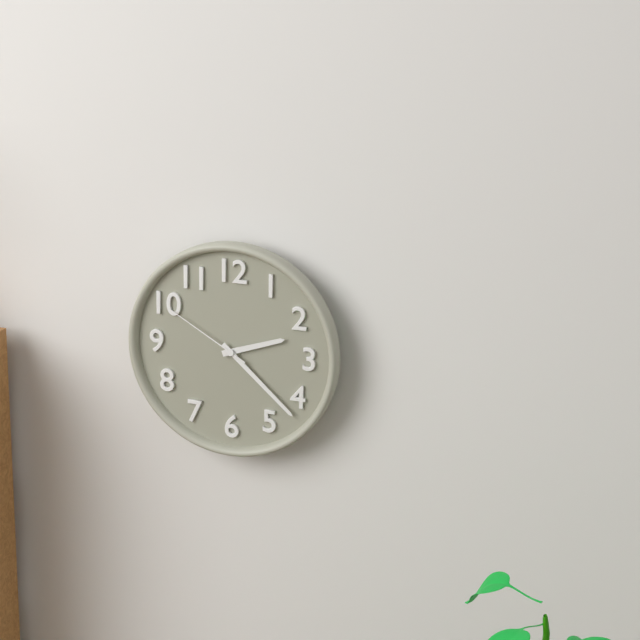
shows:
2,22,50
